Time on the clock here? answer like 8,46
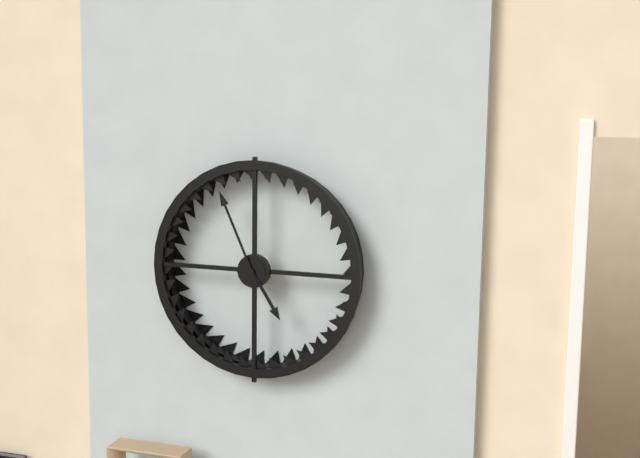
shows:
4,56
